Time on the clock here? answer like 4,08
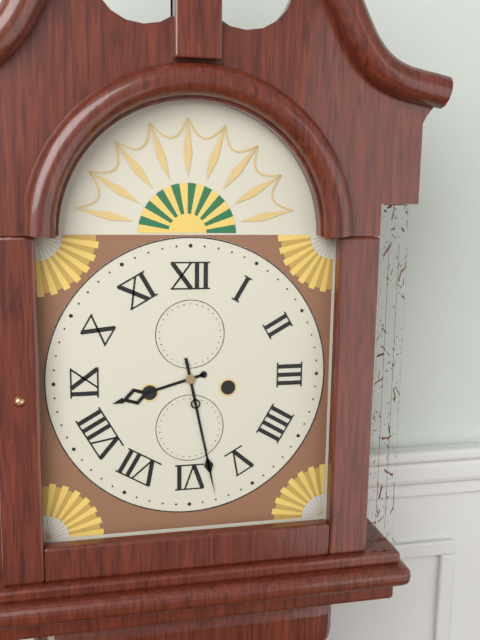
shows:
8,28
